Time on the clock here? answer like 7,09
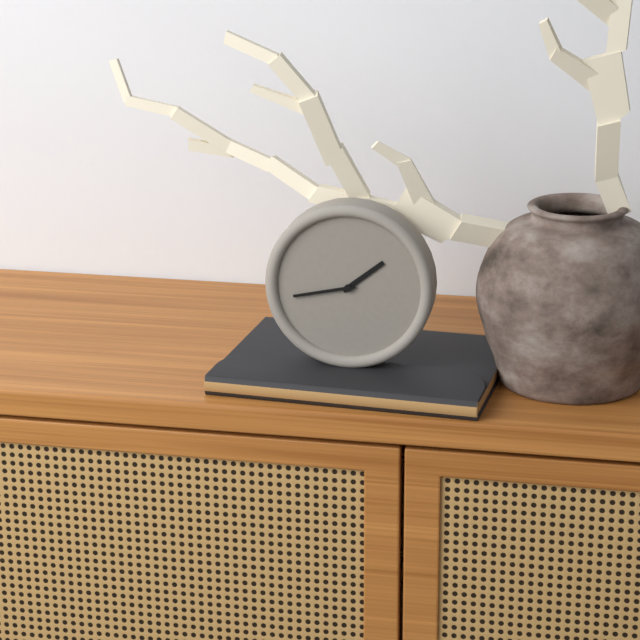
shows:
1,43
